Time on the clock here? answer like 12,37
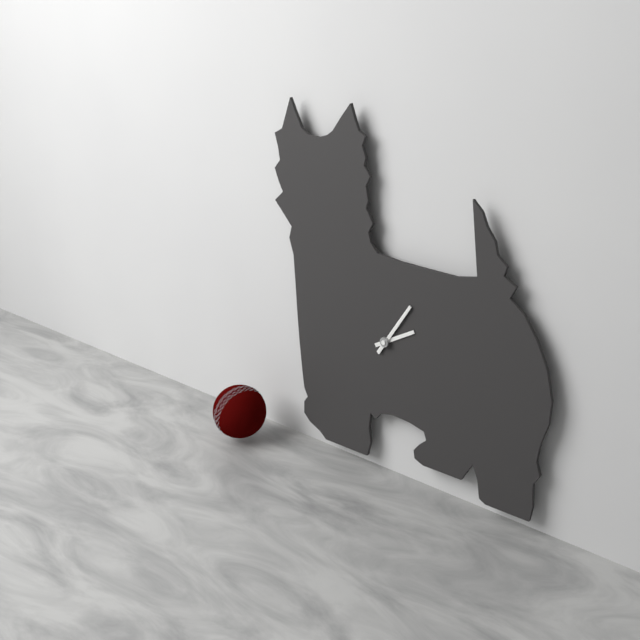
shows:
2,06
